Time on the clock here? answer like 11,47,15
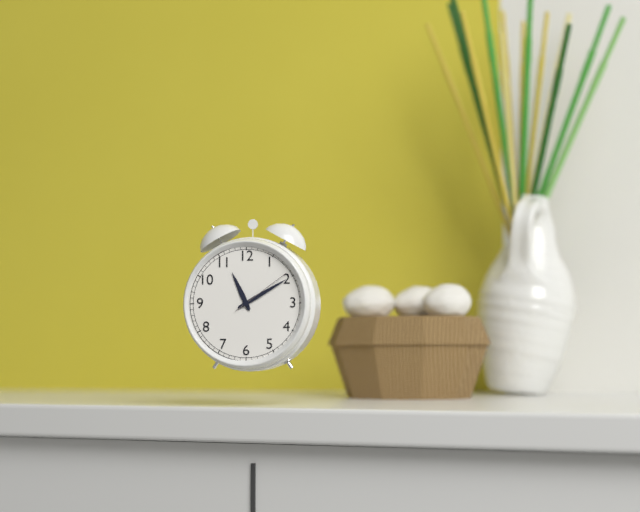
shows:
11,10,09
